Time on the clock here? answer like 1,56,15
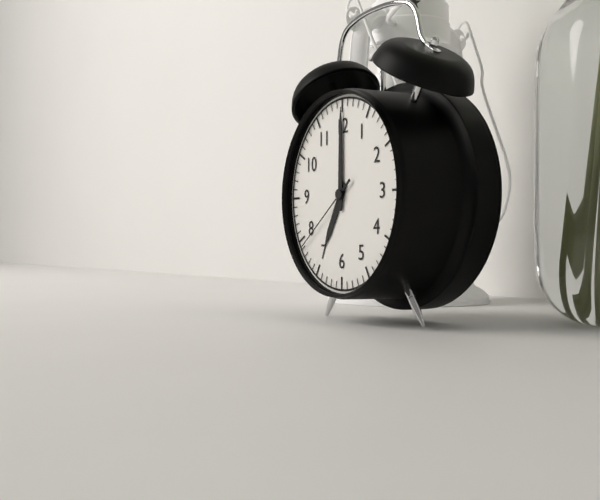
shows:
7,00,39
